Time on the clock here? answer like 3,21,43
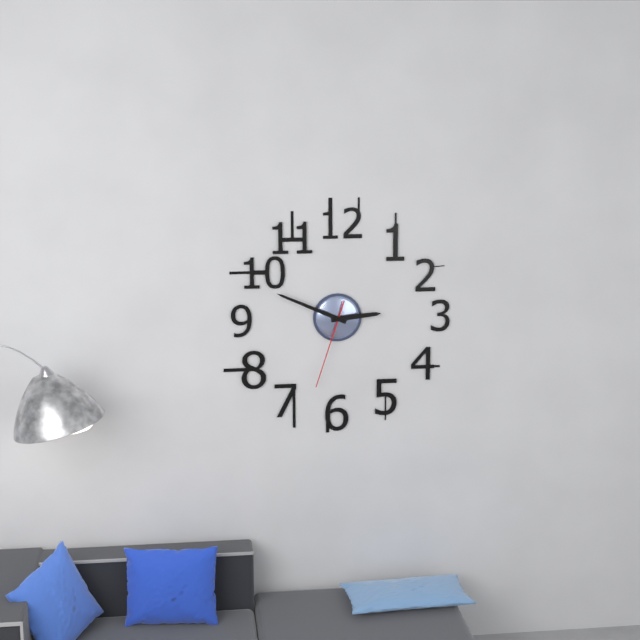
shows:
2,49,33
